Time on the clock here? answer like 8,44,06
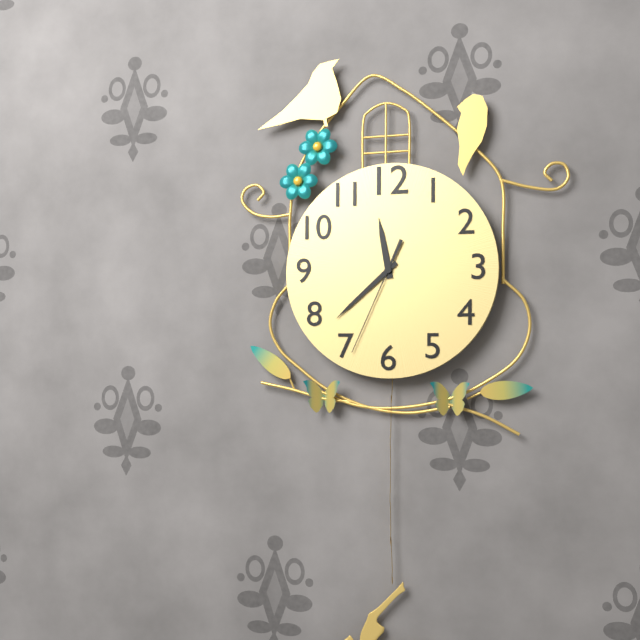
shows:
11,38,34
